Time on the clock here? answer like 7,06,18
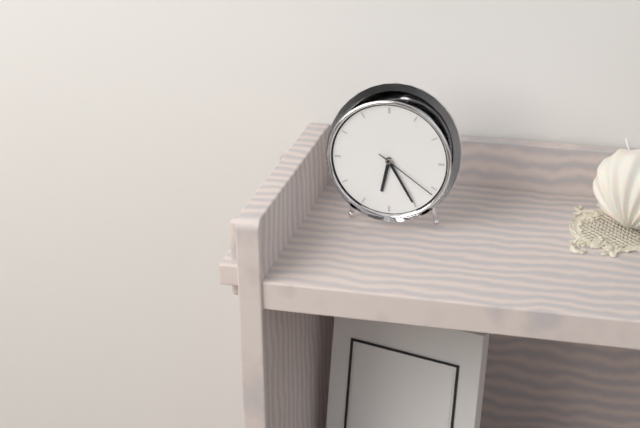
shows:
6,25,21
